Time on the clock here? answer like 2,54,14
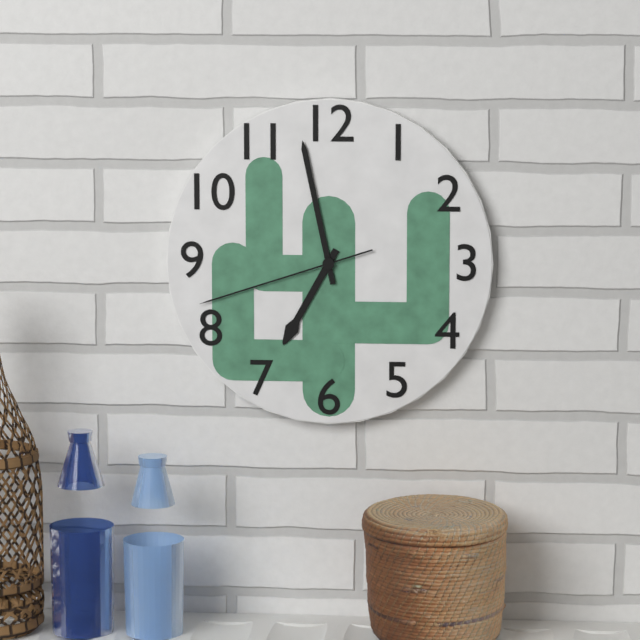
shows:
6,58,42
